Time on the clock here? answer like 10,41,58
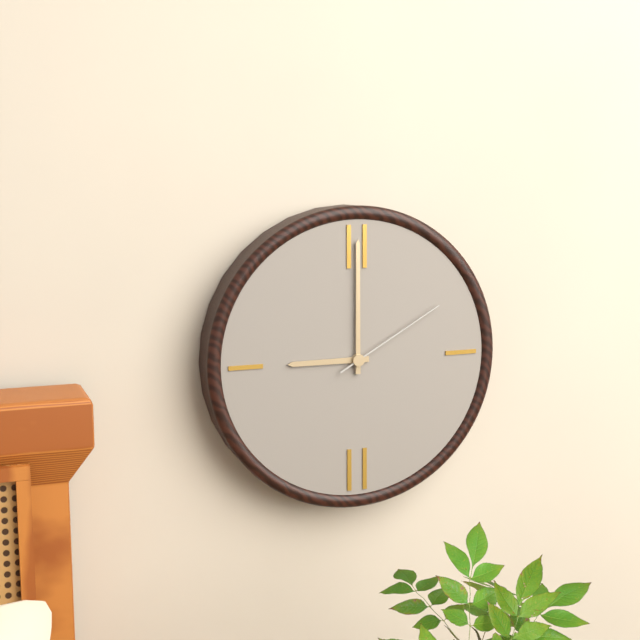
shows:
9,00,10
